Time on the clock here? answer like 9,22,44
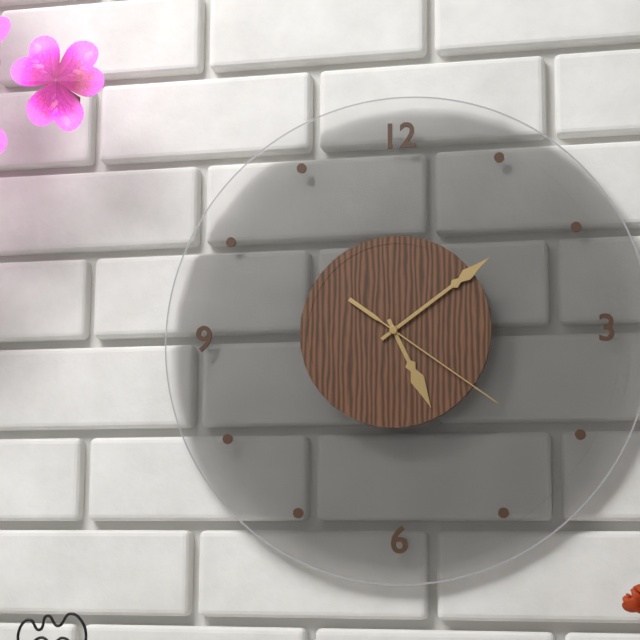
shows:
5,09,21
